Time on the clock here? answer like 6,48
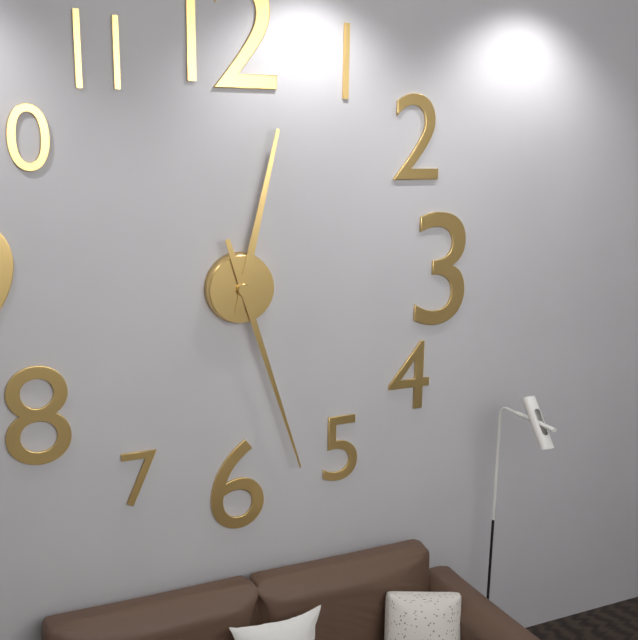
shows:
12,27
